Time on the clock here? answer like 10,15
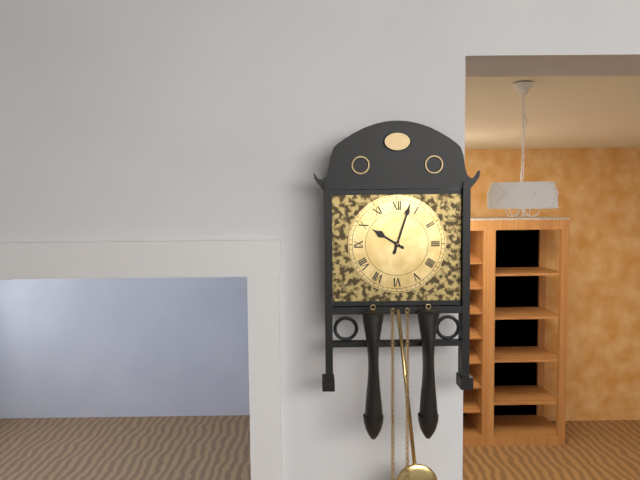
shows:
10,03
